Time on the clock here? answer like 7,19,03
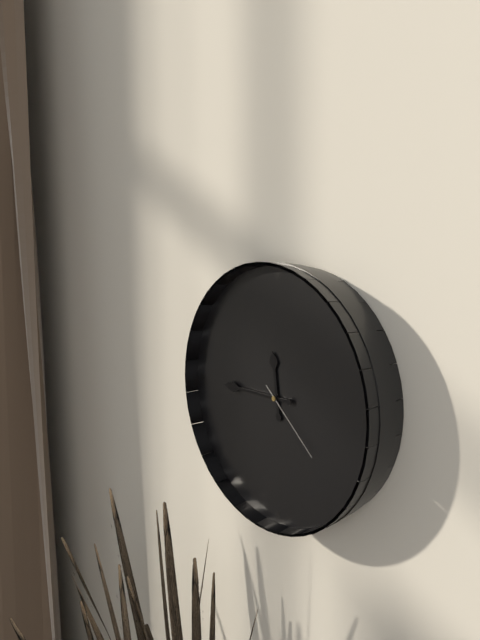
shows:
11,45,22
